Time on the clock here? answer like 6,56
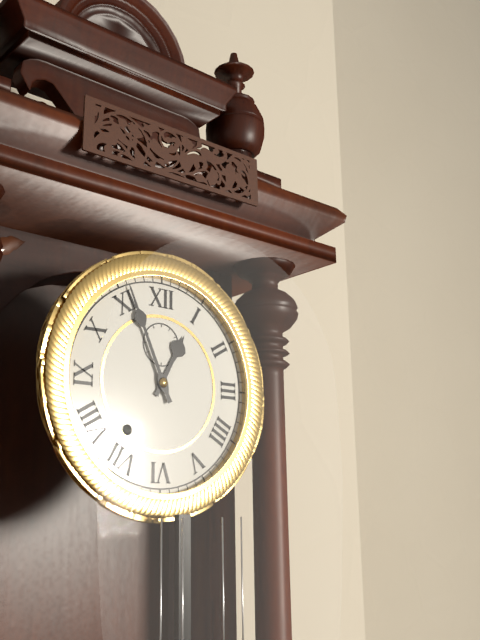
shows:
12,56
